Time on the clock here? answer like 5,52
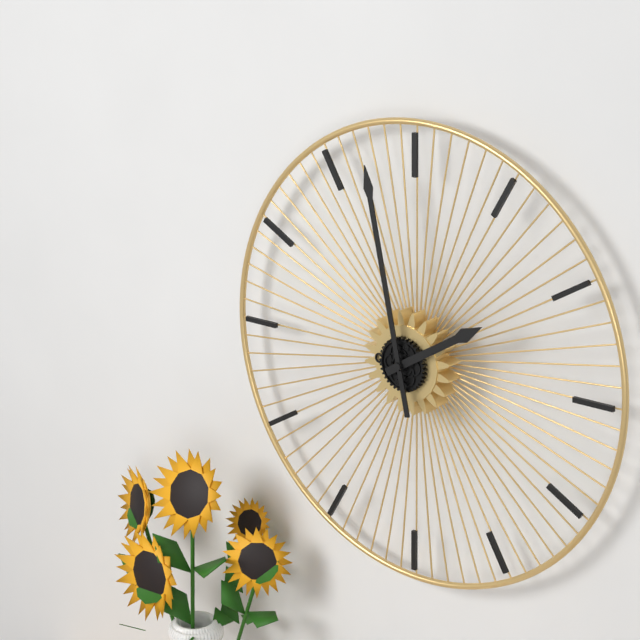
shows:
1,58
